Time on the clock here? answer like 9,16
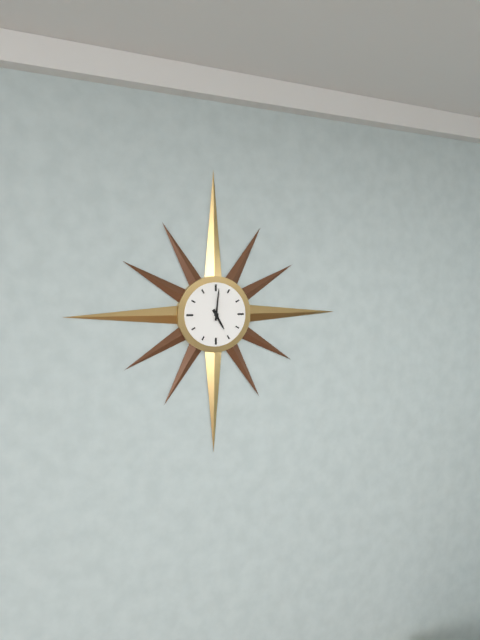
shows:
5,01
